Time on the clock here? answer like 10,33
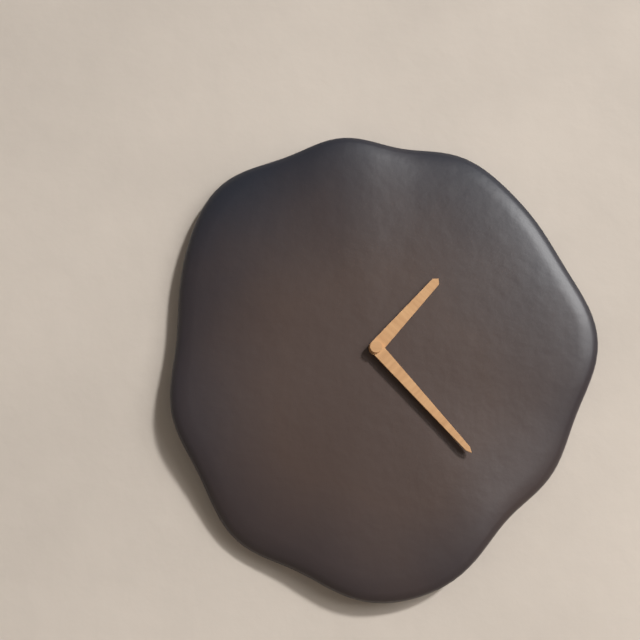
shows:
1,23
